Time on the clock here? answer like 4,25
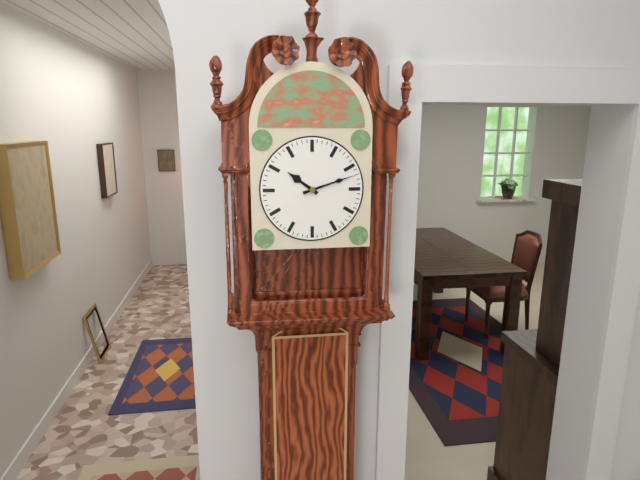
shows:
10,12
